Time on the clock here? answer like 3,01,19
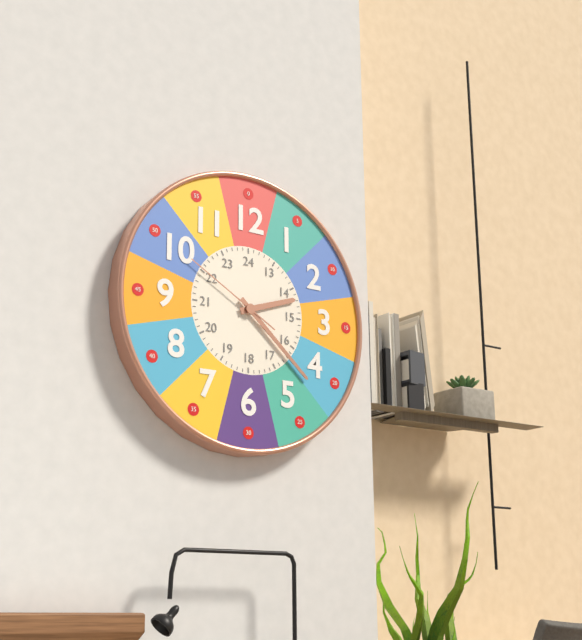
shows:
2,22,50
